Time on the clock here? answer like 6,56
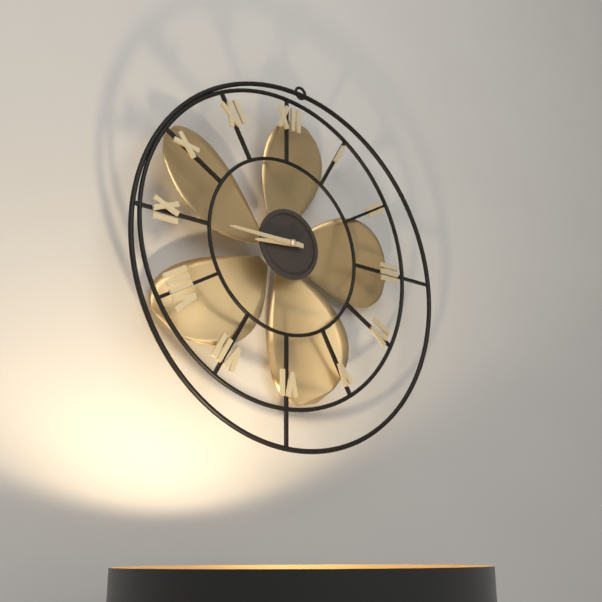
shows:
8,45
